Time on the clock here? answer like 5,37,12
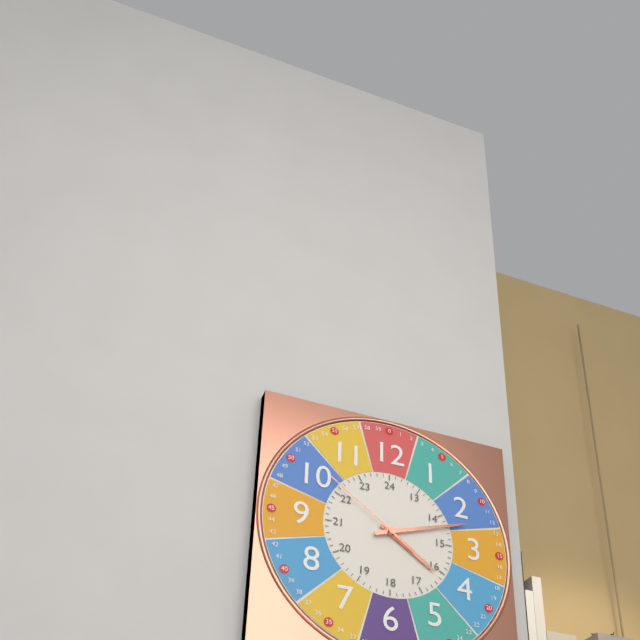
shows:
4,12,51
